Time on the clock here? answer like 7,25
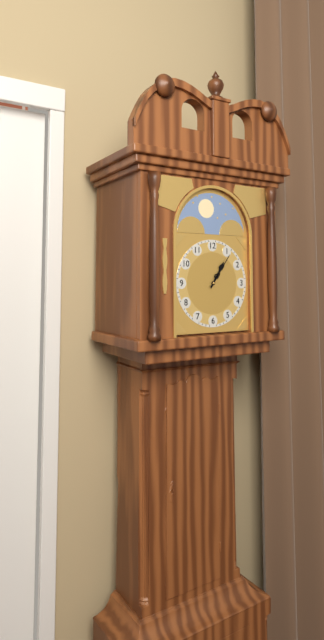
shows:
1,06
